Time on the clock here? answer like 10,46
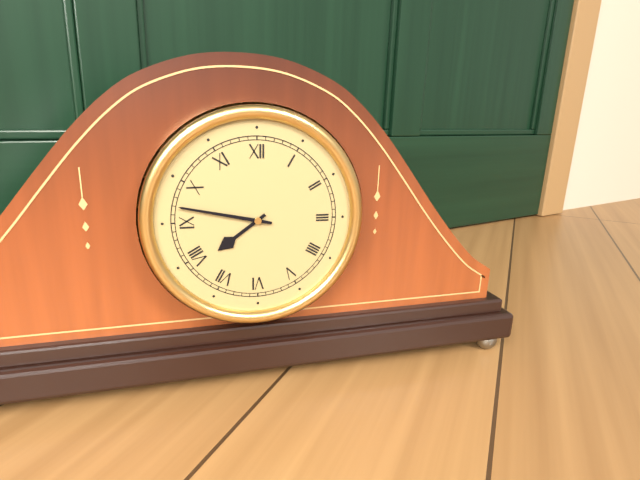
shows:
7,47
